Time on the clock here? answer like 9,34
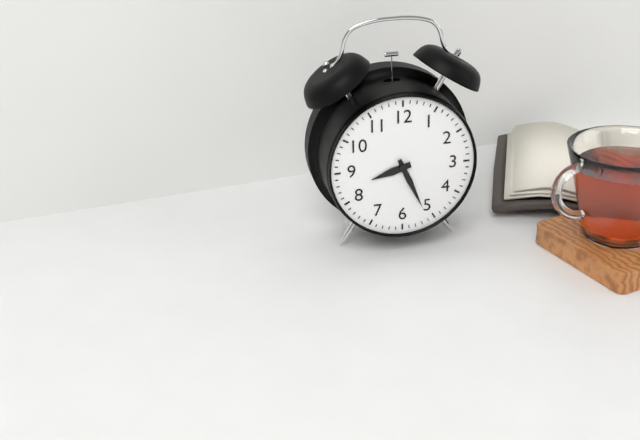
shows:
8,26
